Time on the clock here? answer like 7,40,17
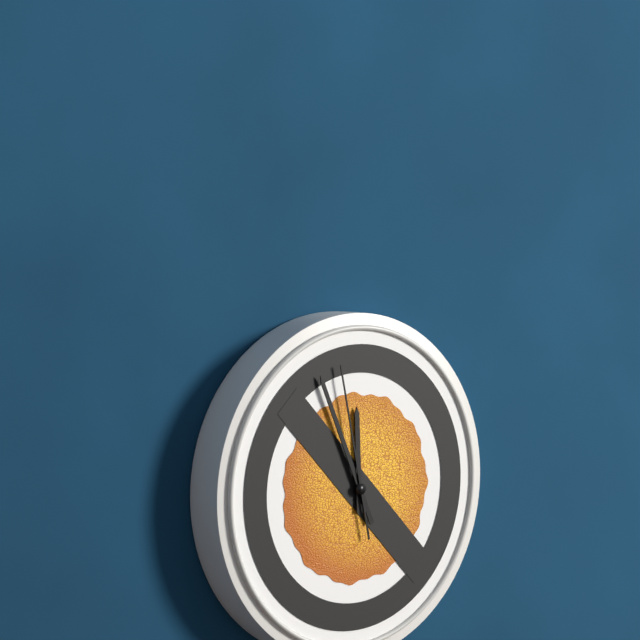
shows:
11,56,58
